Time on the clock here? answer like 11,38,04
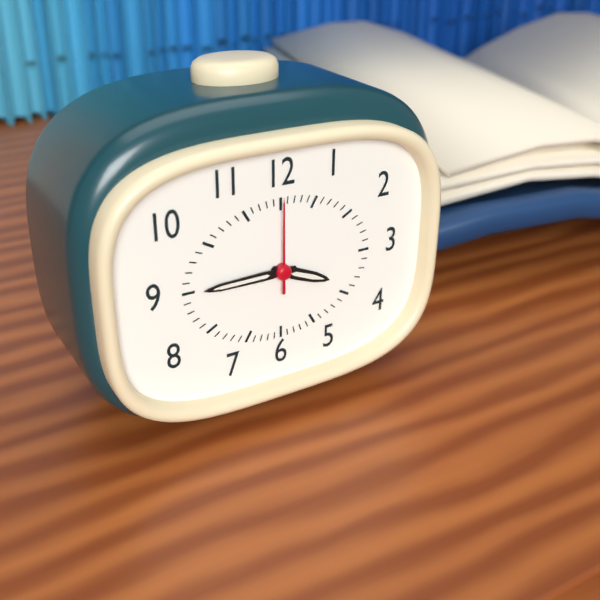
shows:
3,45,00
